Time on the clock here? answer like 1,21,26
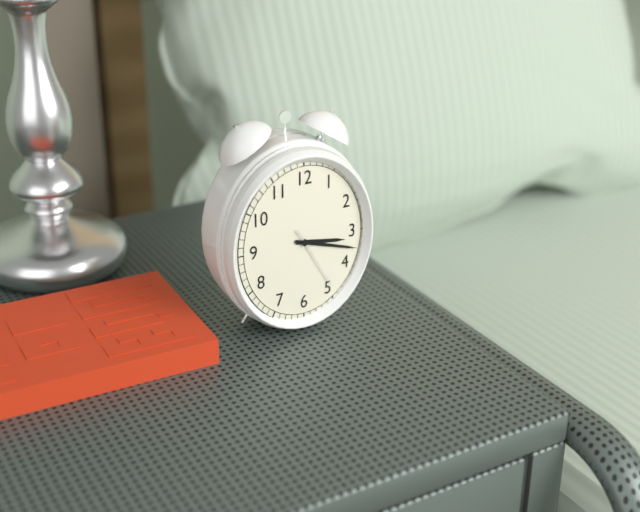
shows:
3,18,25
